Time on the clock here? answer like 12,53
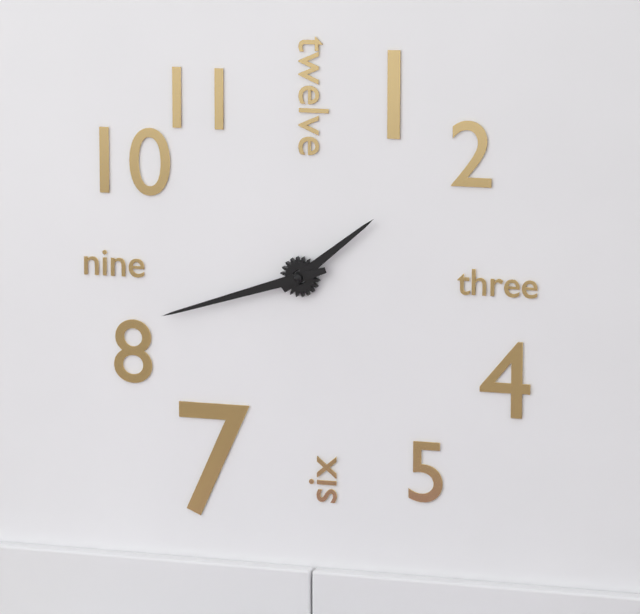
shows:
1,42
